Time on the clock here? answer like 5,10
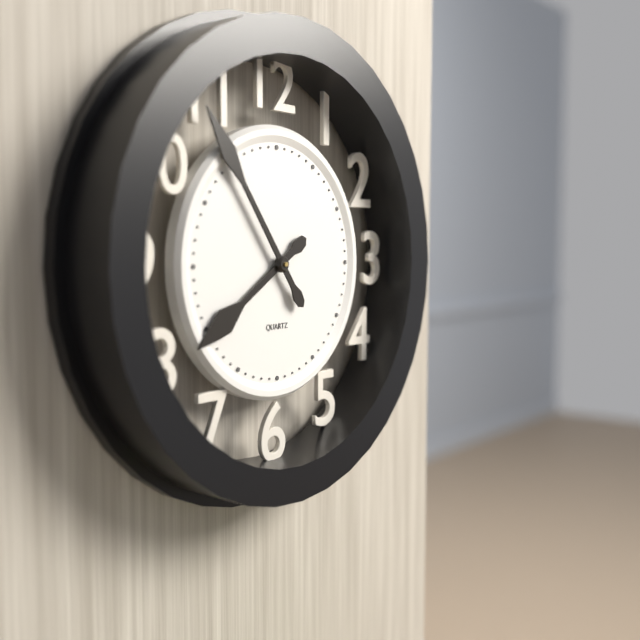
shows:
7,54
